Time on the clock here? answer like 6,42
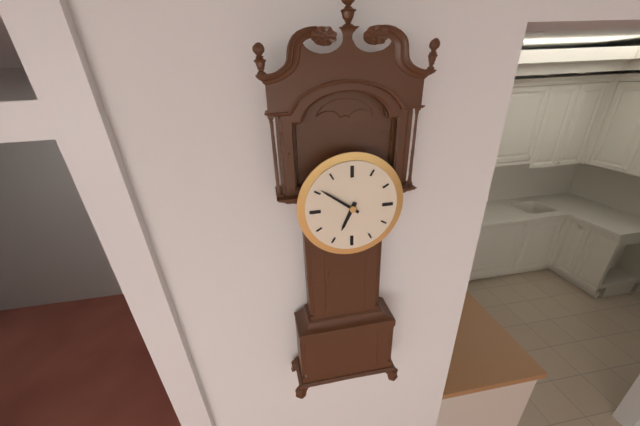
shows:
6,51
